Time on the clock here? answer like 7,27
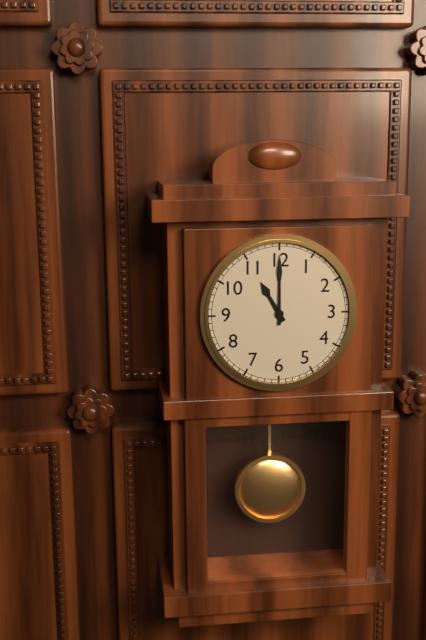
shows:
11,00
